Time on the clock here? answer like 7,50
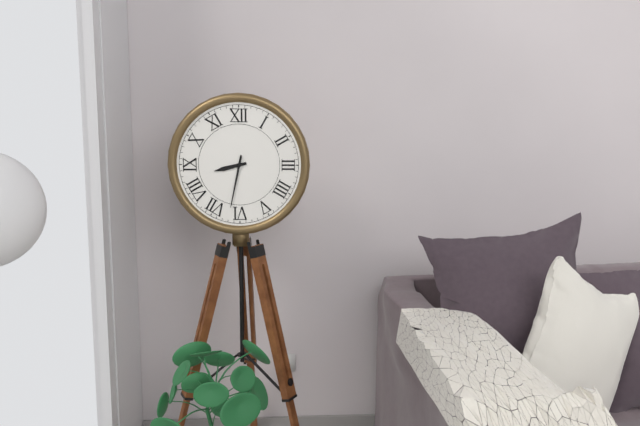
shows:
8,32
